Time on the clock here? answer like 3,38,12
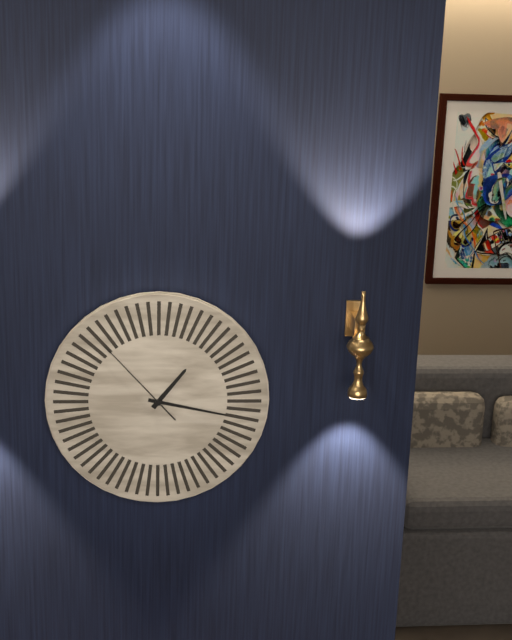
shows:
1,17,53
